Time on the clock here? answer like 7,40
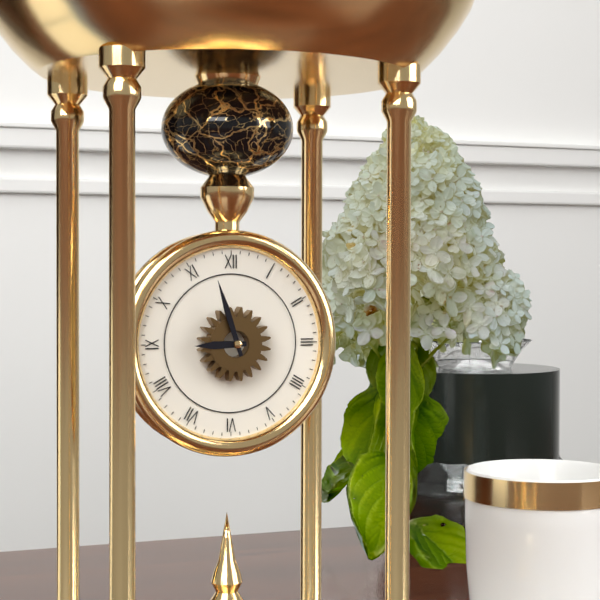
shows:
8,57
